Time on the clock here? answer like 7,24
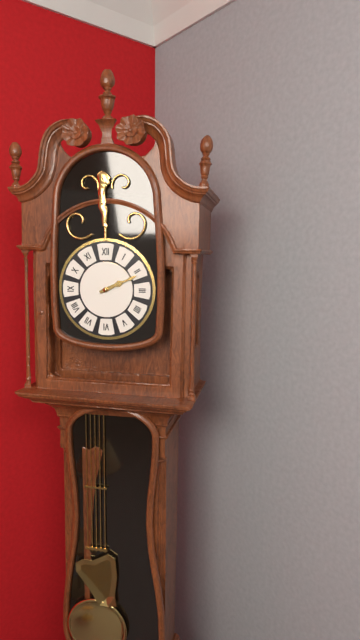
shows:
2,11
